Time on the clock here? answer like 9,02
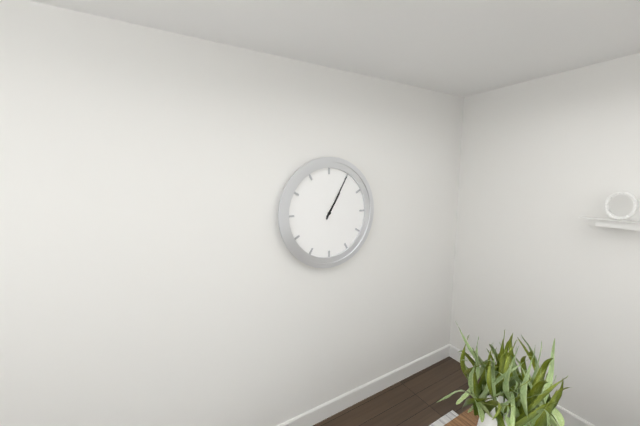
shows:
1,05
